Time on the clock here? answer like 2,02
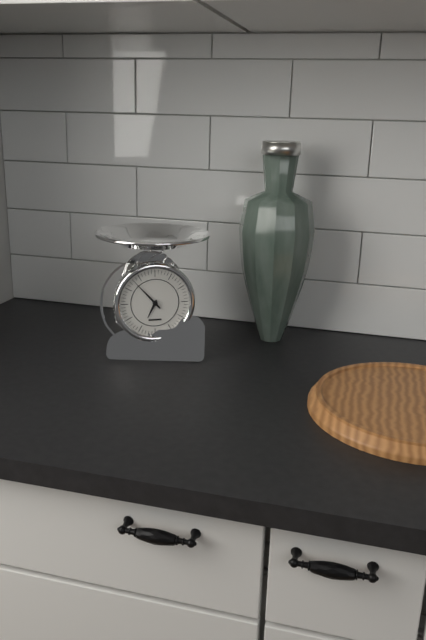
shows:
6,53
